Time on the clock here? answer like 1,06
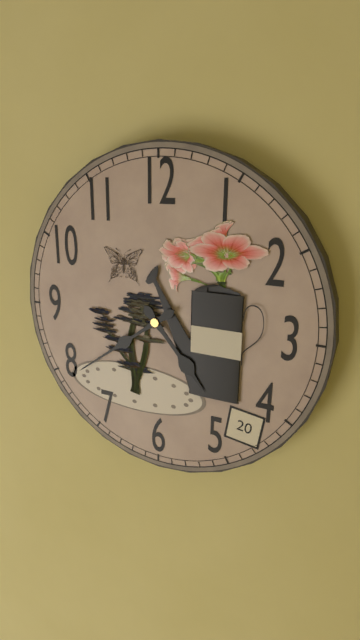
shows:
4,39
